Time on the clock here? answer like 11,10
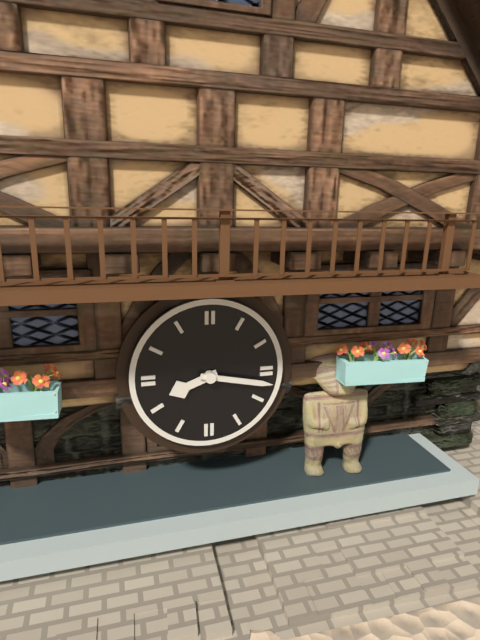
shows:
8,17
